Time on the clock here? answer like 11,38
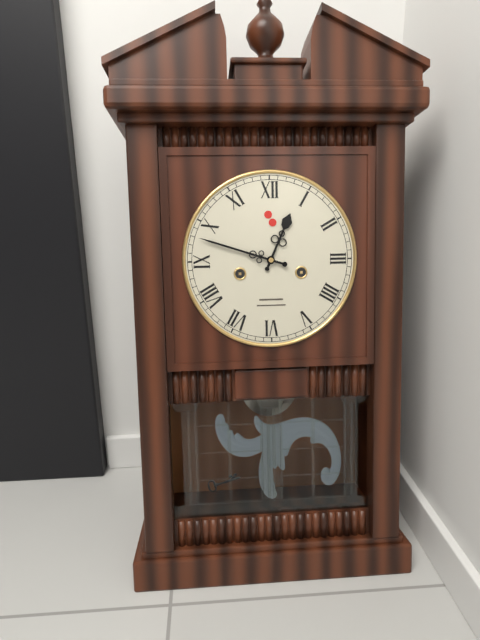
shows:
12,48
